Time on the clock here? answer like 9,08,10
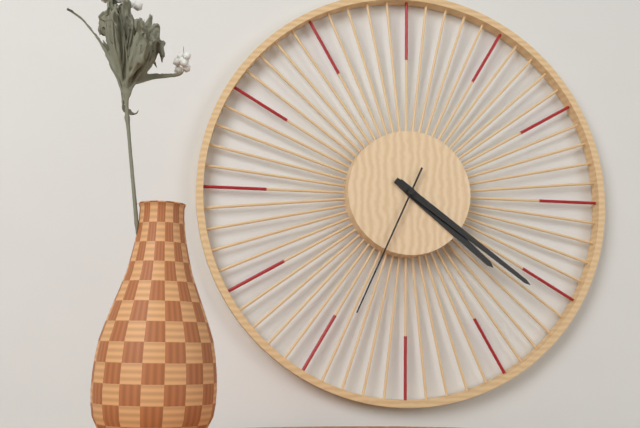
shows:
4,21,34
